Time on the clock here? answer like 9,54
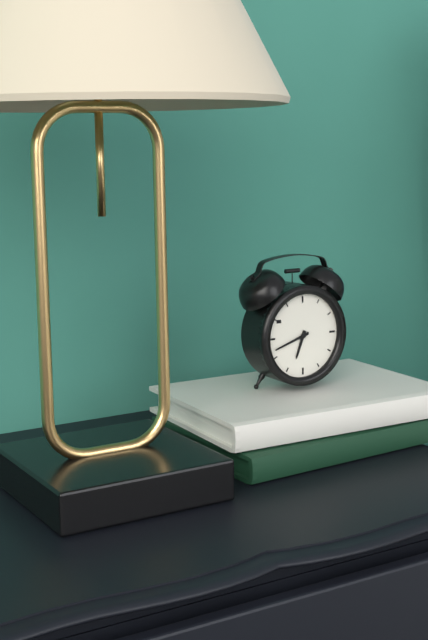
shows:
6,42
